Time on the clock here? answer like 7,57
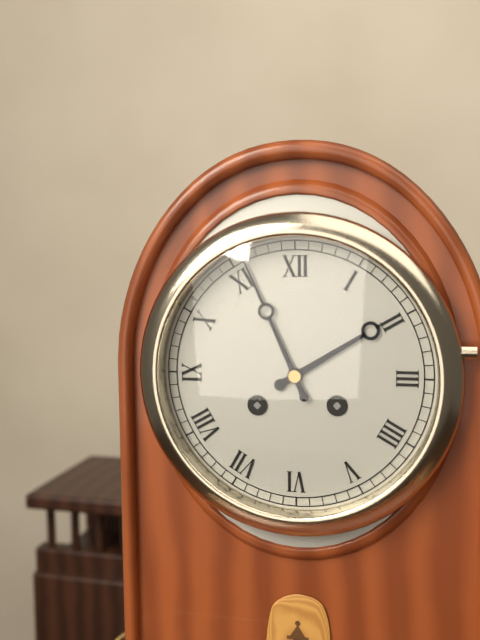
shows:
1,56
